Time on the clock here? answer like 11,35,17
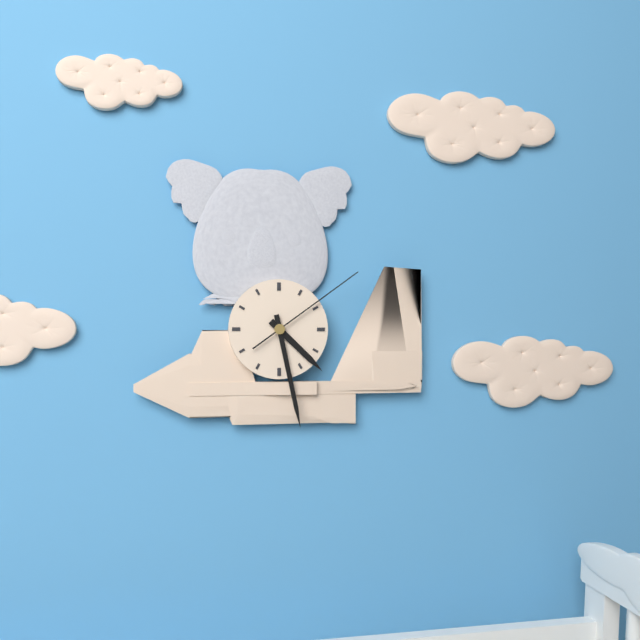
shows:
4,28,09
